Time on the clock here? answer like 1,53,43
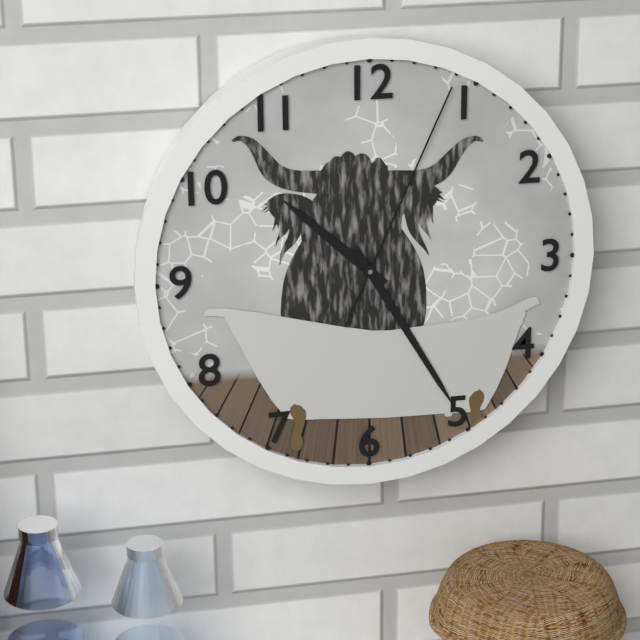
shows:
10,25,04
